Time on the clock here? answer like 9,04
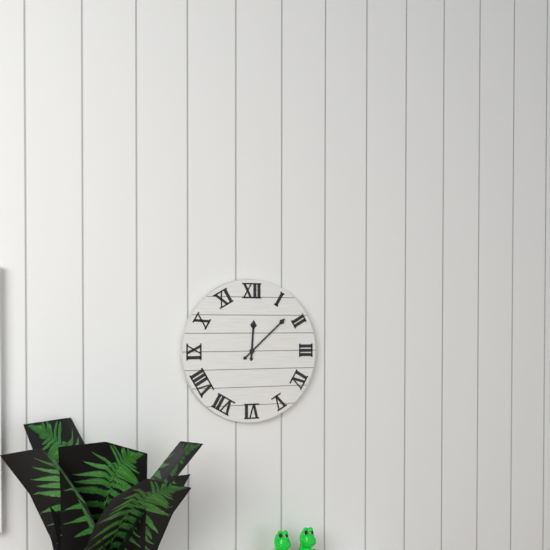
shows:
12,08
